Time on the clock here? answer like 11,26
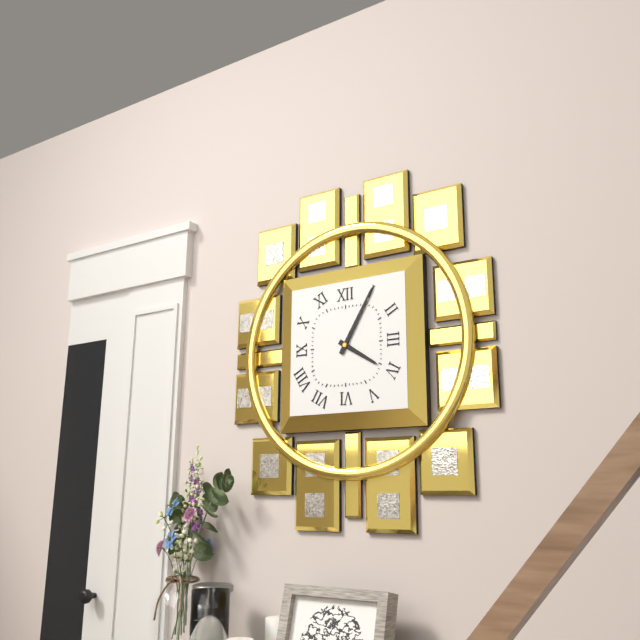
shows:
4,05
